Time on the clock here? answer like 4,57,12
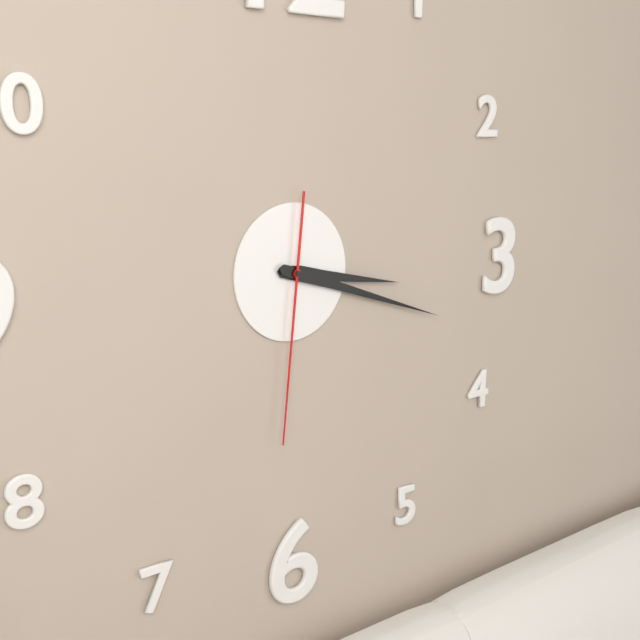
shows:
3,18,31
